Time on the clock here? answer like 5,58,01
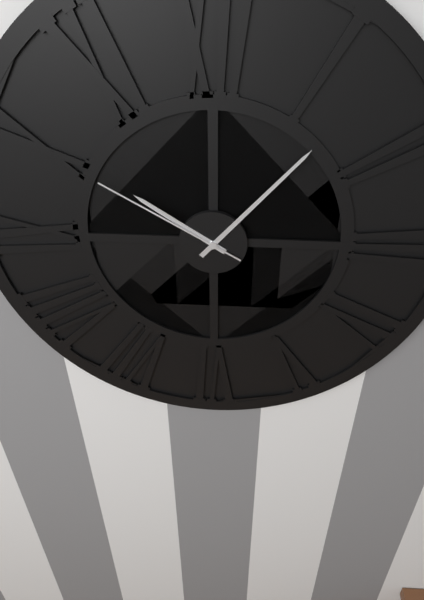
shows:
10,07,50
